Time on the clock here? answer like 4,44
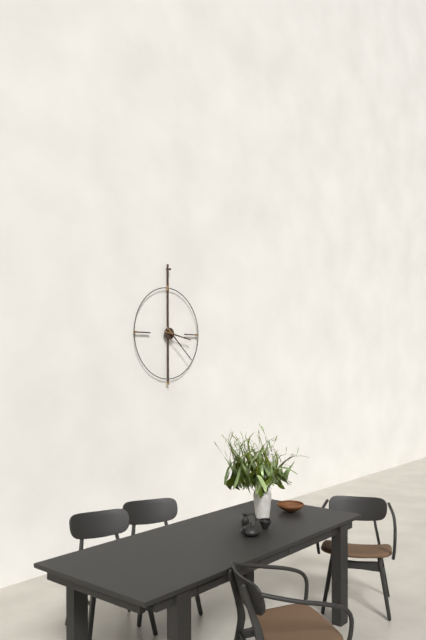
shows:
3,22
